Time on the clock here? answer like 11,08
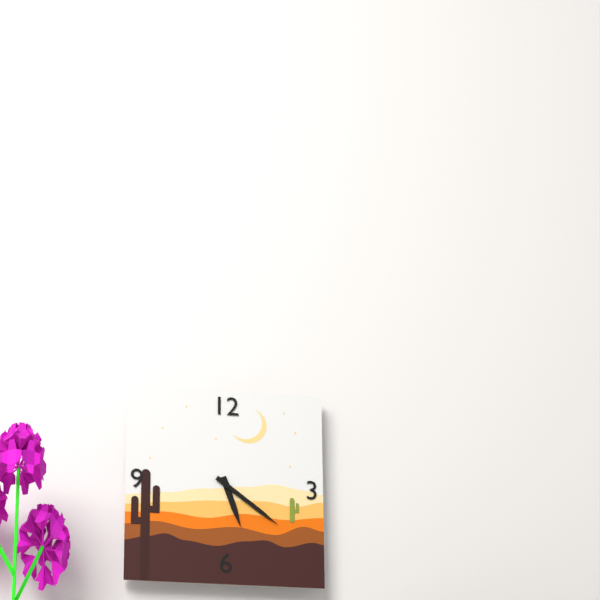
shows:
5,21
